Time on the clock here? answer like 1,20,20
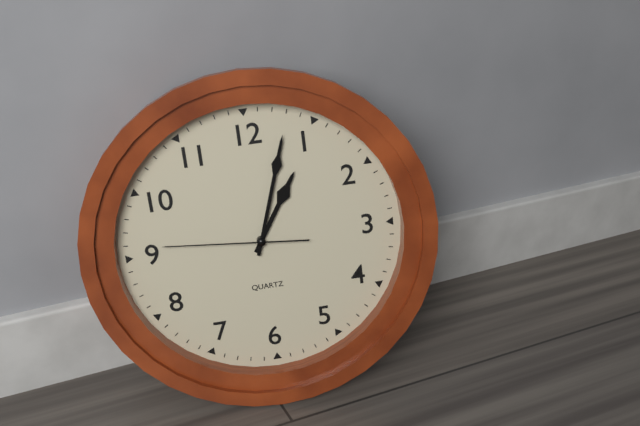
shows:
1,03,46
